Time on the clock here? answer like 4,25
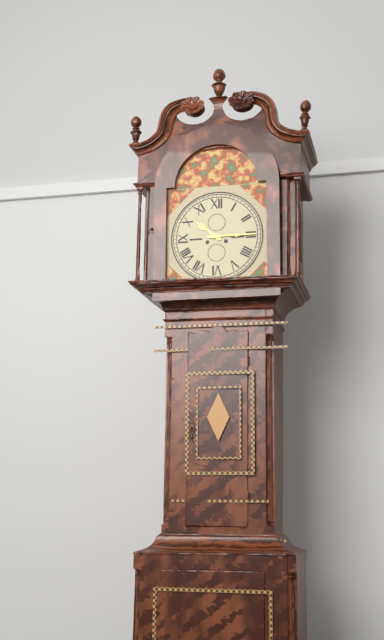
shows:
10,15
